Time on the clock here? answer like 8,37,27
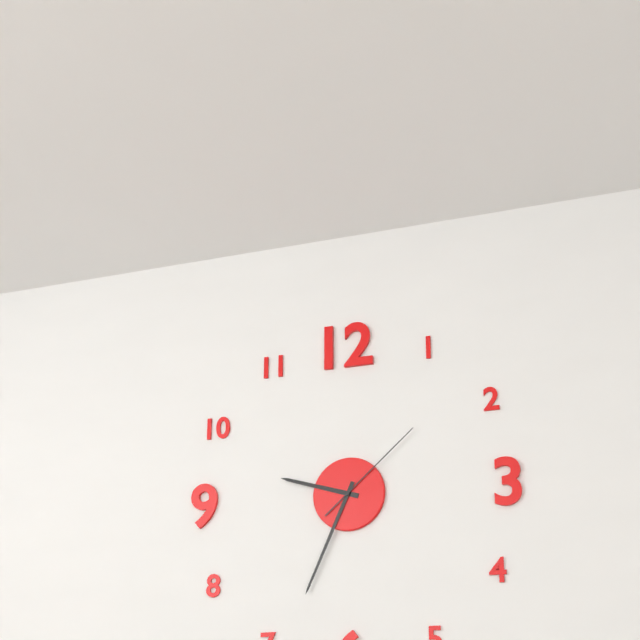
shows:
9,34,08
